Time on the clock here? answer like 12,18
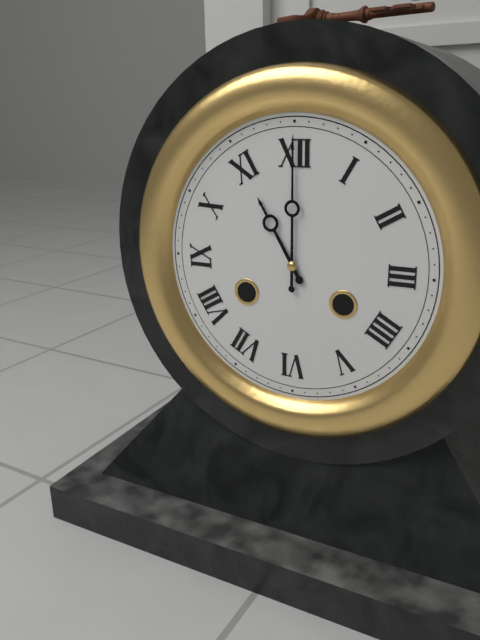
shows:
11,00
